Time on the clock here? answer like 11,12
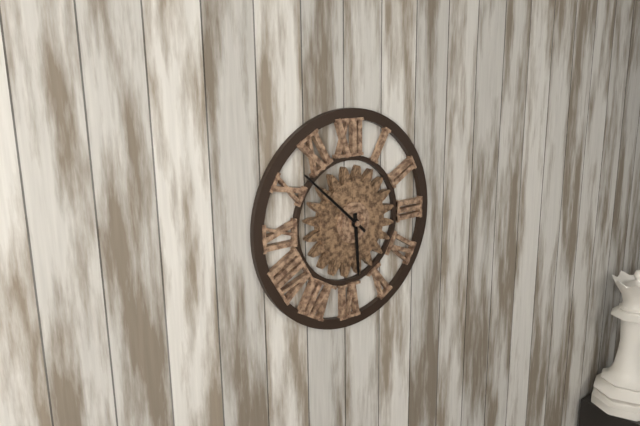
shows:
5,52
